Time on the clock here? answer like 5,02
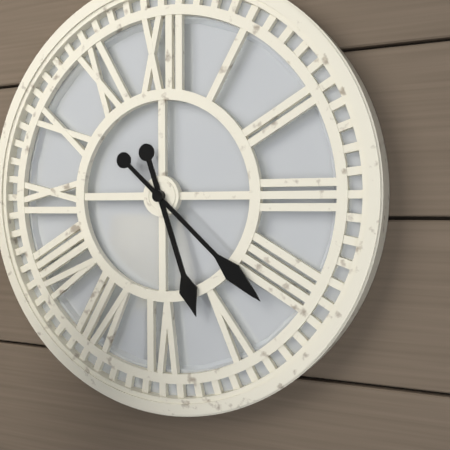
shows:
5,22
